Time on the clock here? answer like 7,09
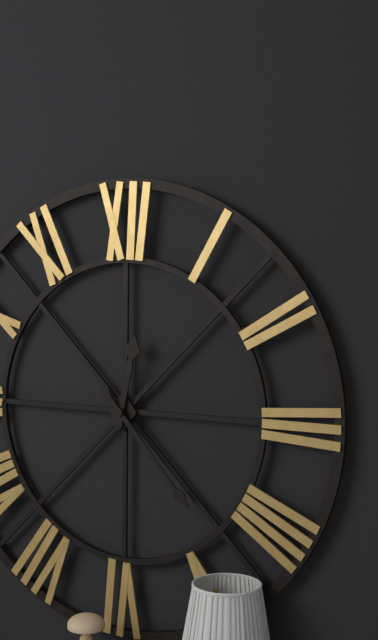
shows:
12,23
